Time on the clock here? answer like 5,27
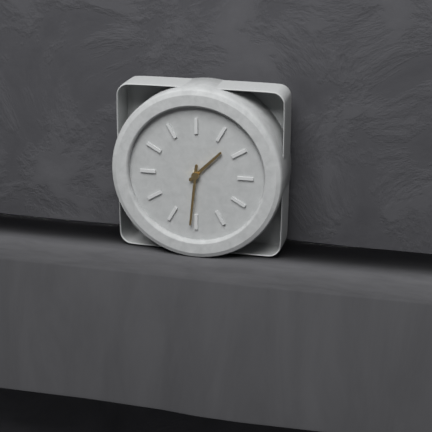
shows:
1,31
